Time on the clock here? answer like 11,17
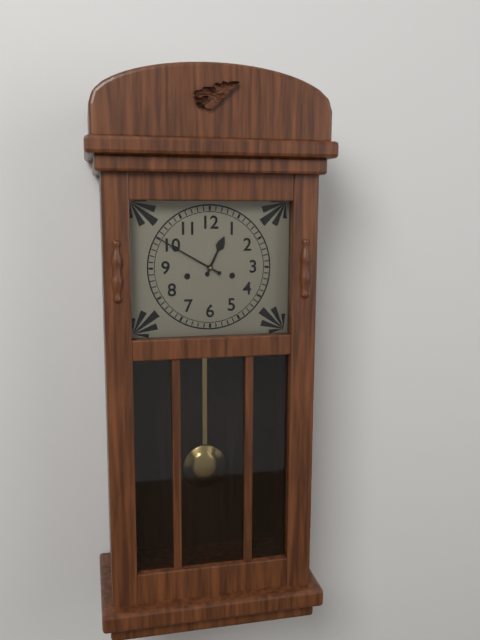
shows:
12,50
